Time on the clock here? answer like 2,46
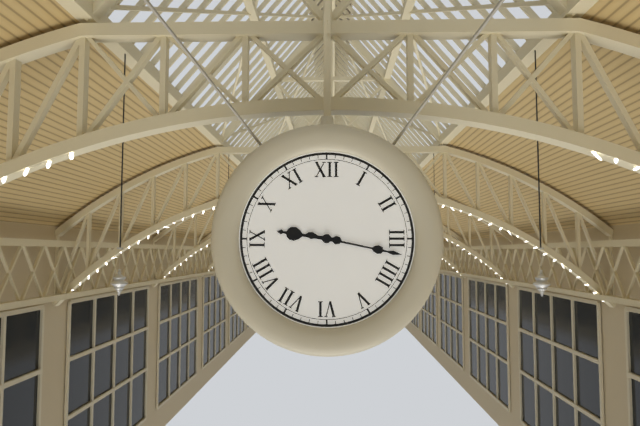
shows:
9,17
